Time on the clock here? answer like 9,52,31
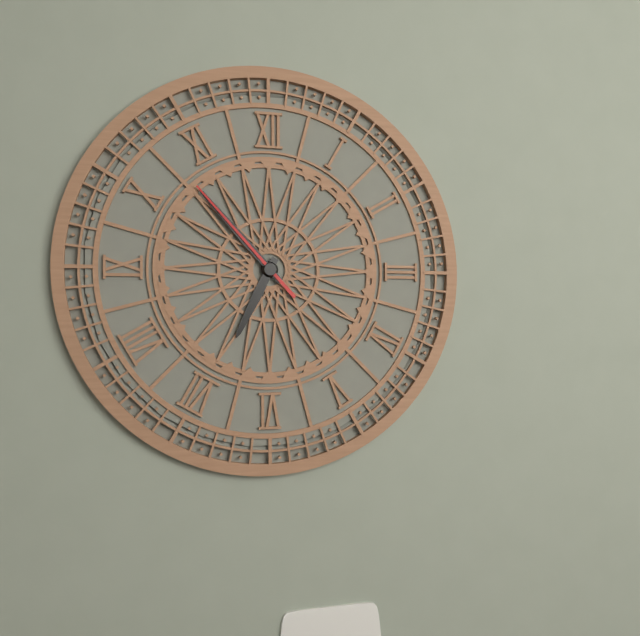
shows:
6,53,53
